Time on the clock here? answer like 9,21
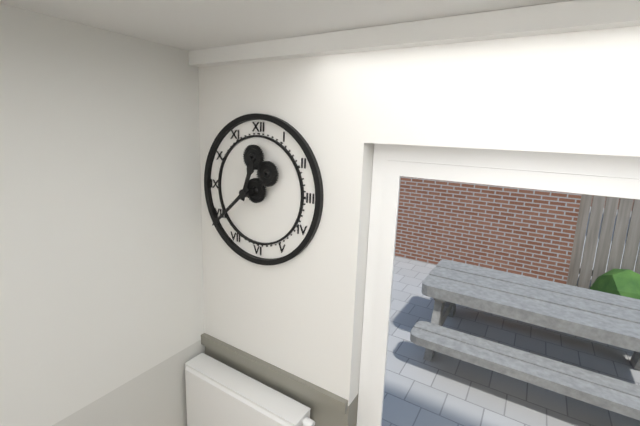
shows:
12,38
